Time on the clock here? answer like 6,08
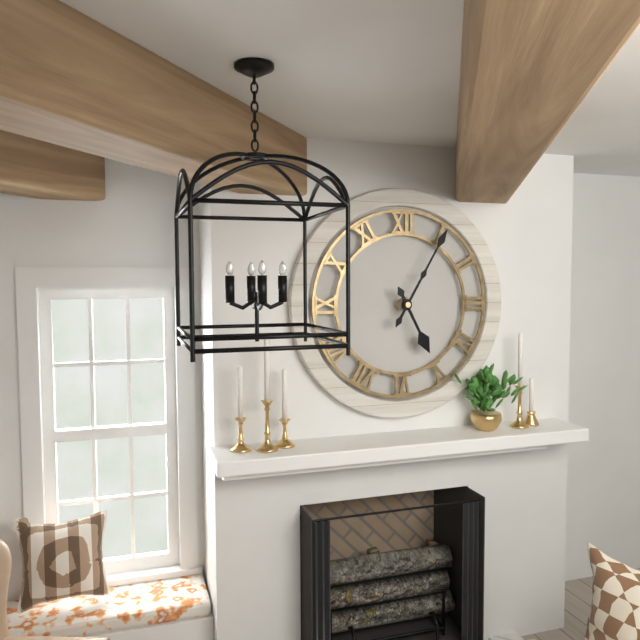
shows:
5,05
